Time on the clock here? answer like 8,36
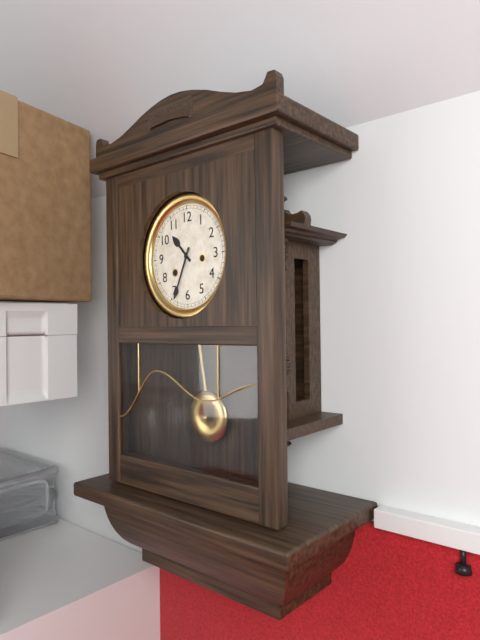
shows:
10,34
